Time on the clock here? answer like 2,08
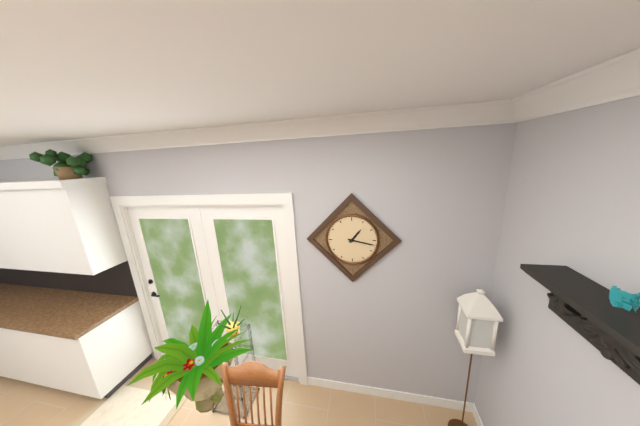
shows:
1,17
